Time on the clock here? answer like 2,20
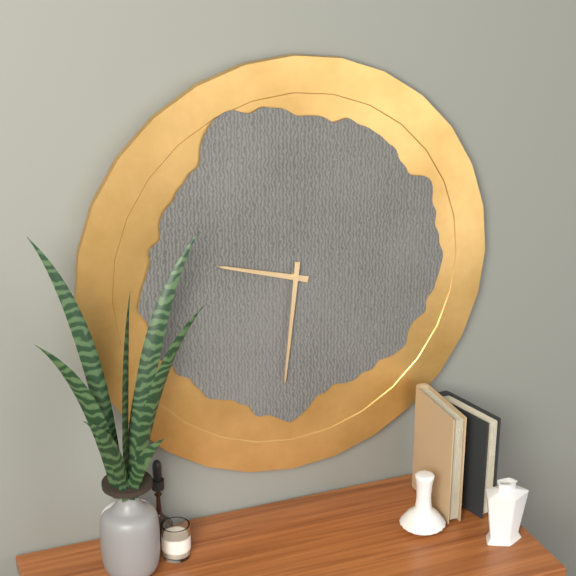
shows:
9,31
